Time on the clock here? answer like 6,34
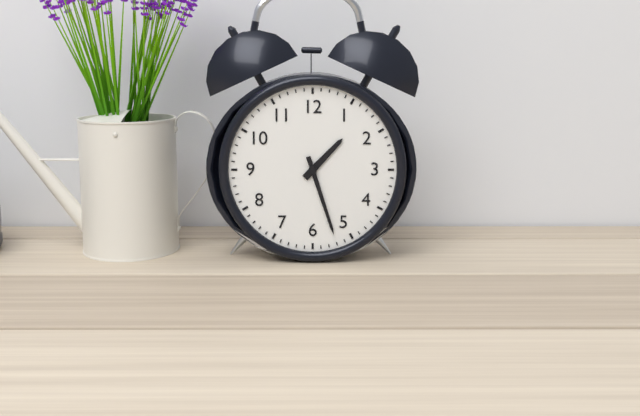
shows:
1,27
